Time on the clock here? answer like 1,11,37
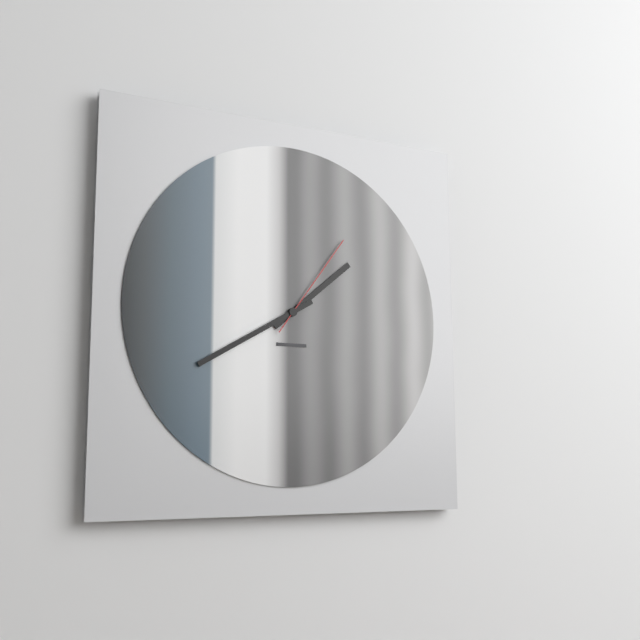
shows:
1,40,06
